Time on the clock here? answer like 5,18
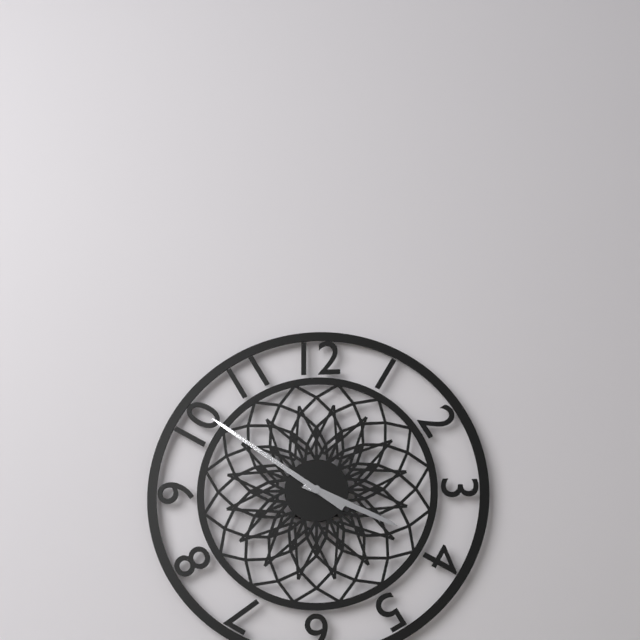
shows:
3,51
